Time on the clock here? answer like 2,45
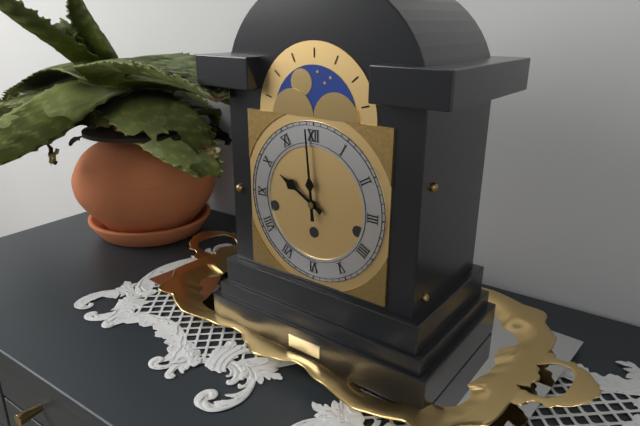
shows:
9,59
